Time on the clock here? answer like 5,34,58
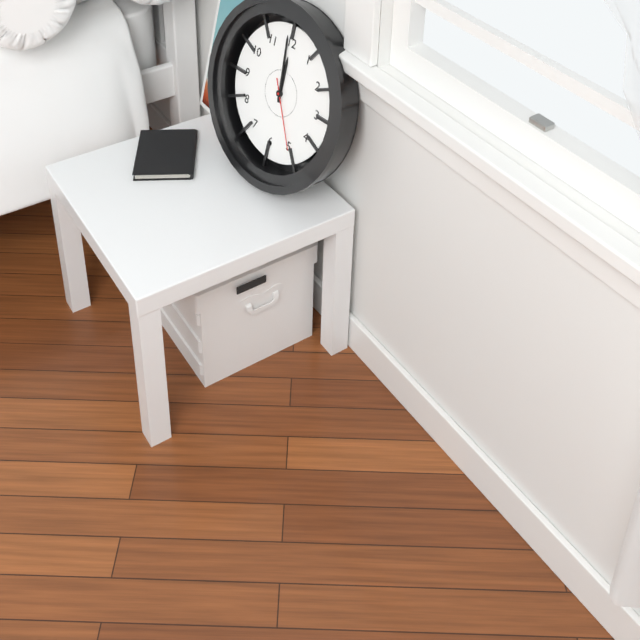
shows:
11,59,25
